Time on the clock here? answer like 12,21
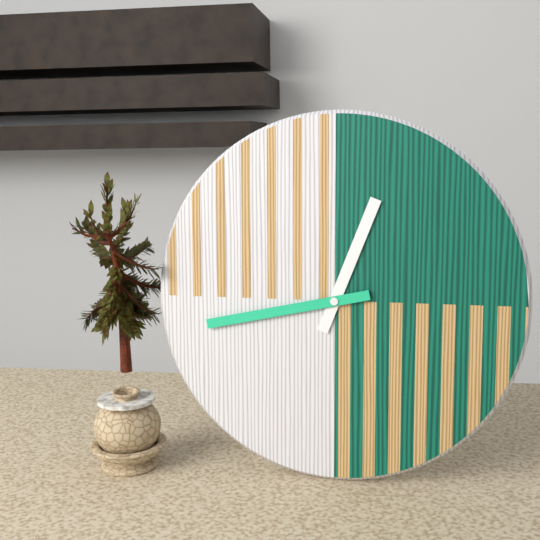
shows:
12,43
